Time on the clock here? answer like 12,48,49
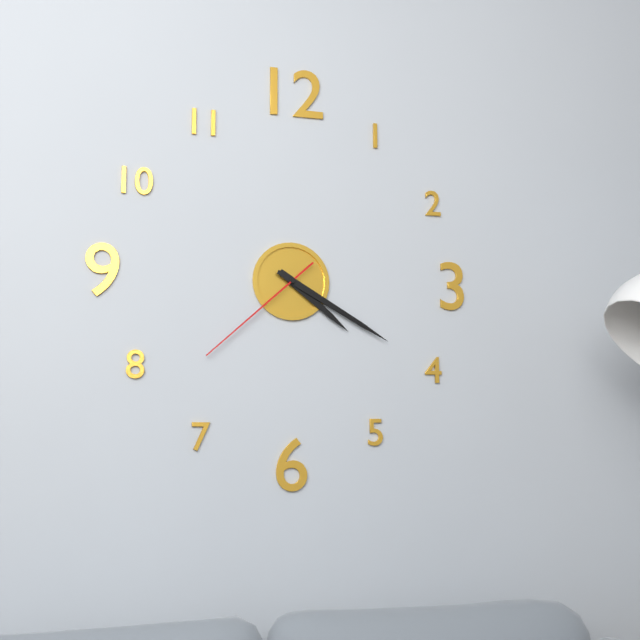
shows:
4,20,38
